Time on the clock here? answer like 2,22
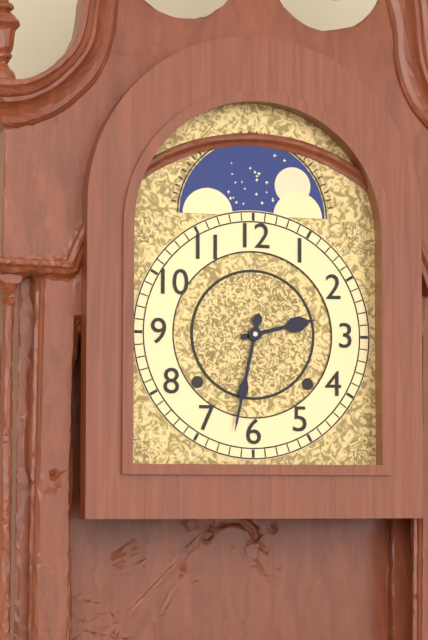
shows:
2,32
